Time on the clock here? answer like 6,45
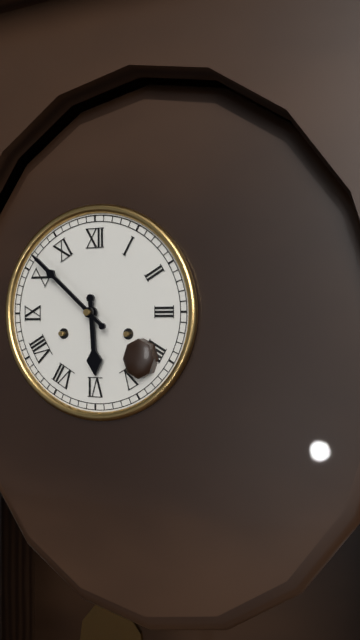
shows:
5,52
